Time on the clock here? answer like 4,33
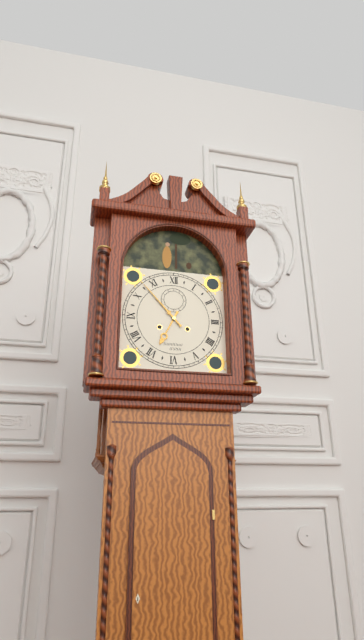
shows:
6,53
